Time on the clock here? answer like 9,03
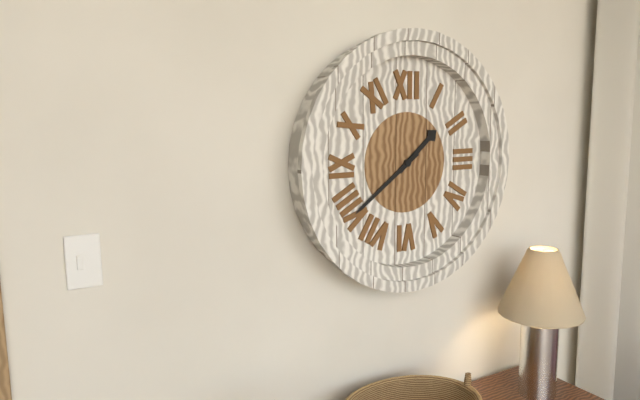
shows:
1,39
